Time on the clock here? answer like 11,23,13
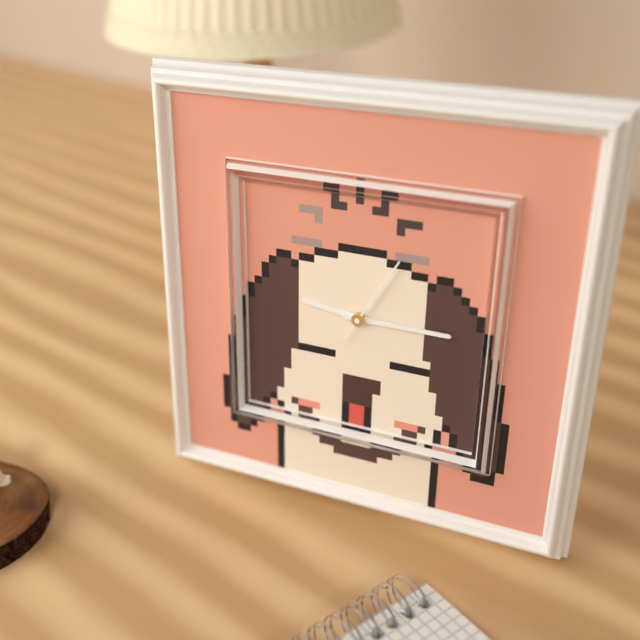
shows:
9,15,05
